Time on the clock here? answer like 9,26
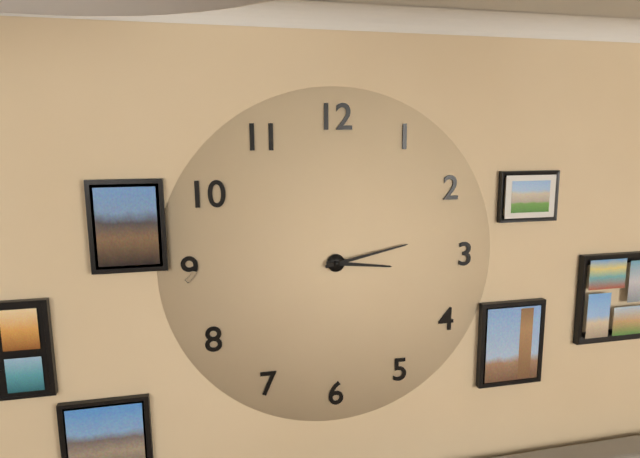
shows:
3,13
